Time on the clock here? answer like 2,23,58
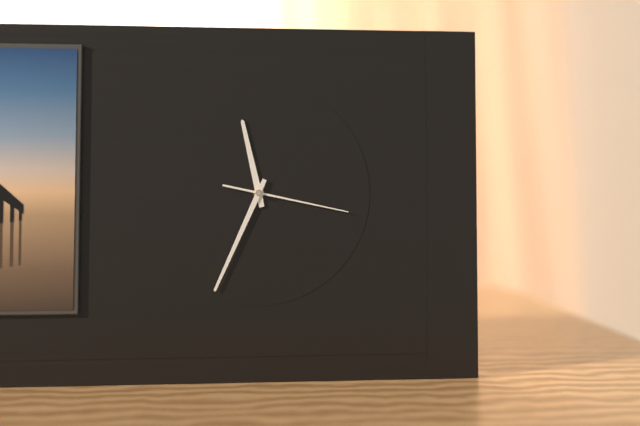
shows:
11,34,17
